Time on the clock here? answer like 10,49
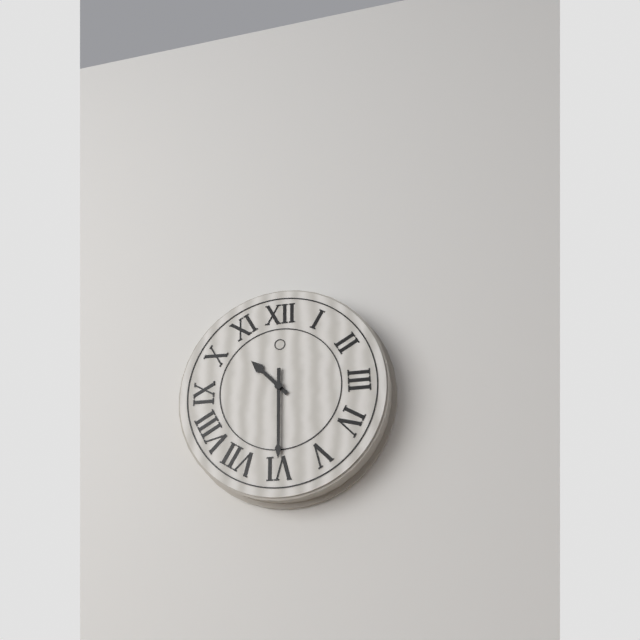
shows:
10,30
